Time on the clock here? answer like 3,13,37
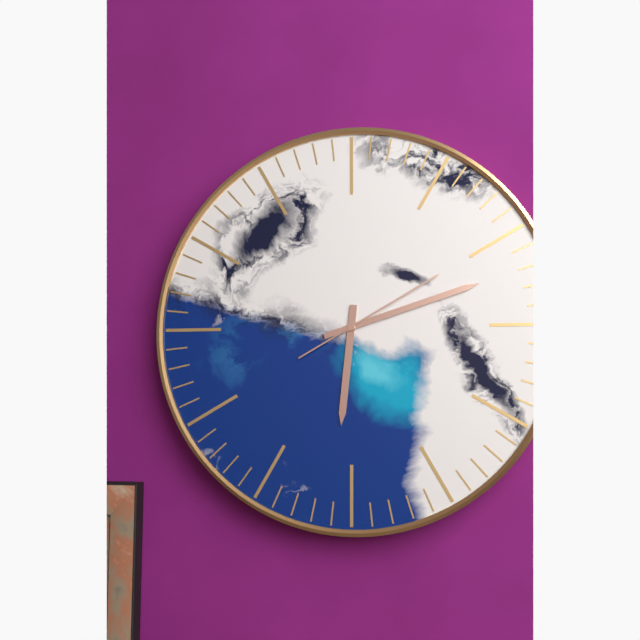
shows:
6,12,10
